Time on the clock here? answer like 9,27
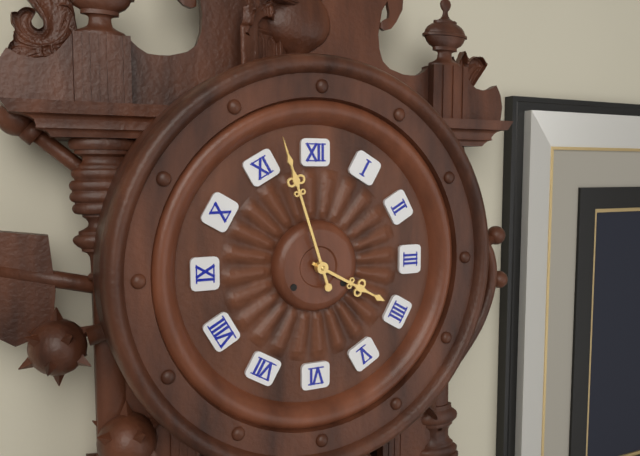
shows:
3,57
